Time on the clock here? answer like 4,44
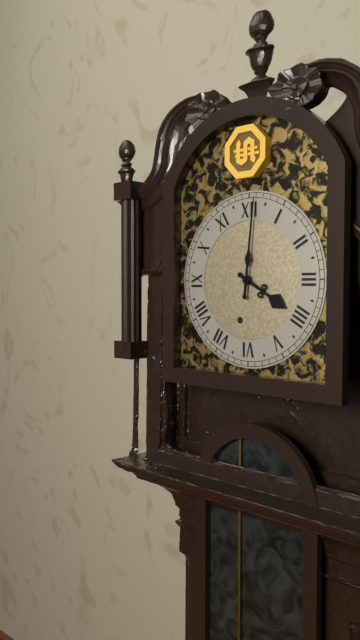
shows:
4,01
